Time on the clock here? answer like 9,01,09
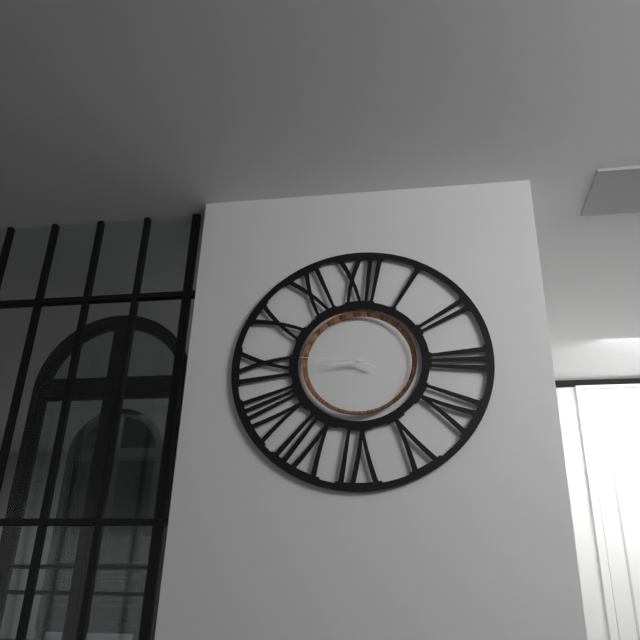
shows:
3,44,46
